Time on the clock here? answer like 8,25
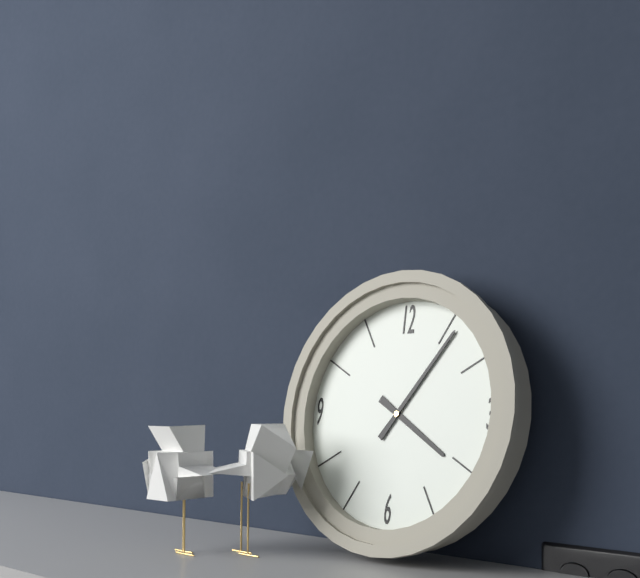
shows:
4,06
